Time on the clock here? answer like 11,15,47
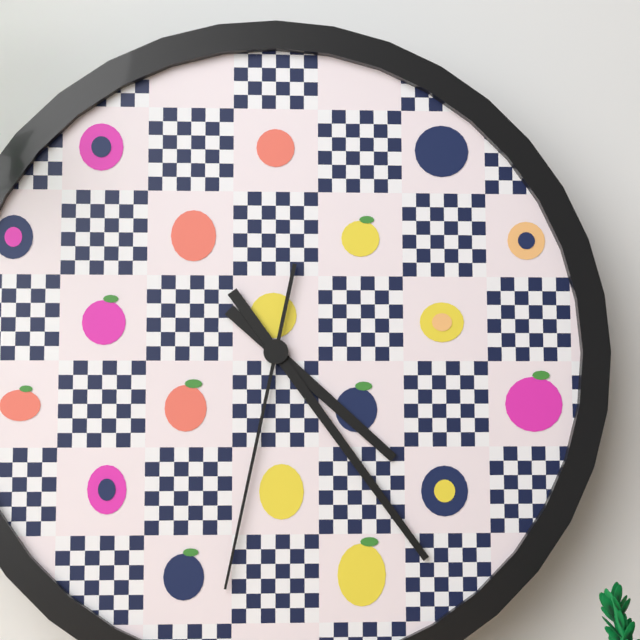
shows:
4,24,32
